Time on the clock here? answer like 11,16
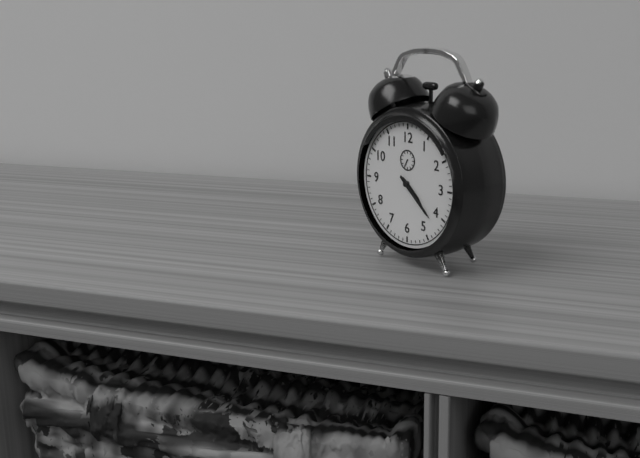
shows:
4,22
